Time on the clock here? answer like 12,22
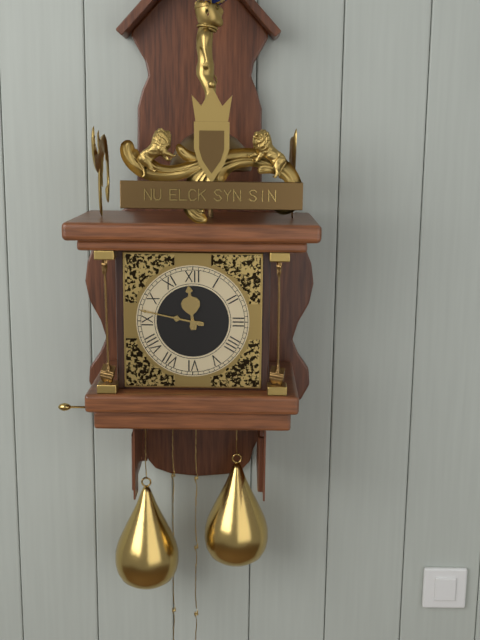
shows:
11,47
